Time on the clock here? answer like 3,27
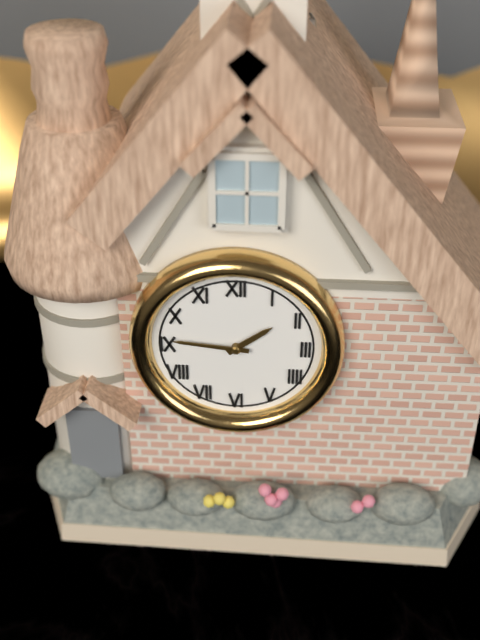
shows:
1,46
